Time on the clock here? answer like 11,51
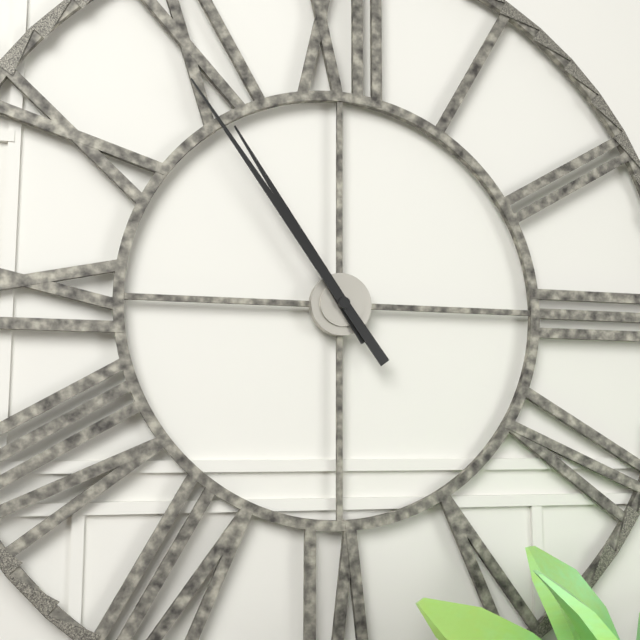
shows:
10,54
